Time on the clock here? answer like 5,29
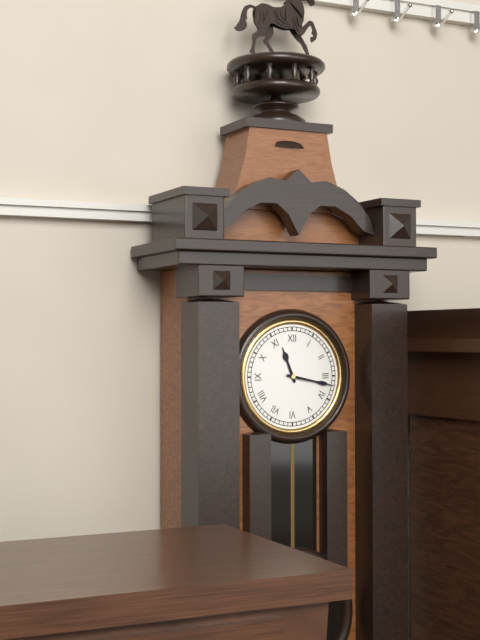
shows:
11,17
